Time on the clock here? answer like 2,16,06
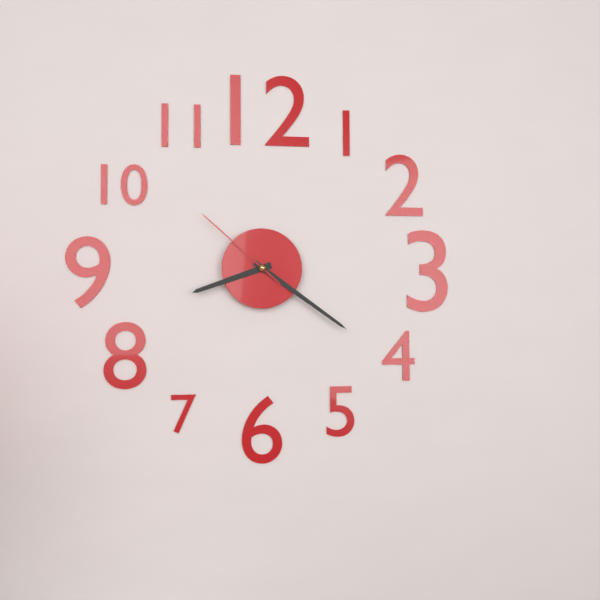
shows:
8,21,52
